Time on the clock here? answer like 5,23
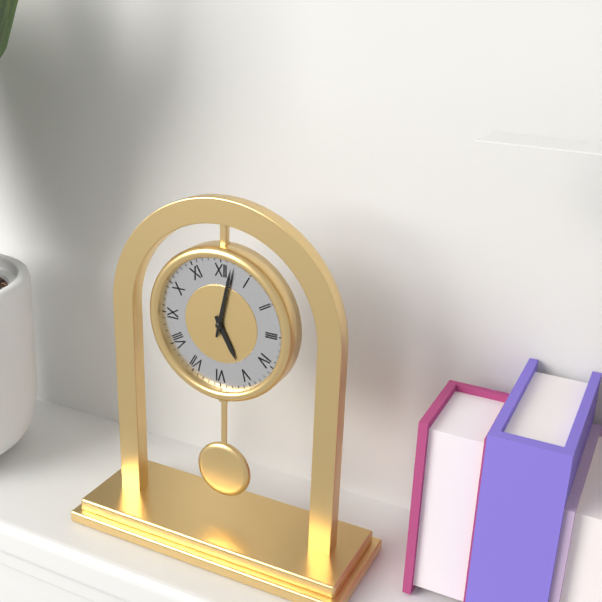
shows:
5,02
